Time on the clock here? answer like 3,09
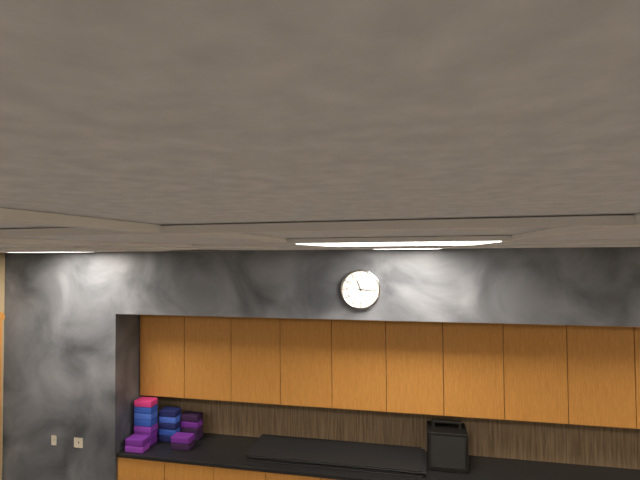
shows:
11,16
